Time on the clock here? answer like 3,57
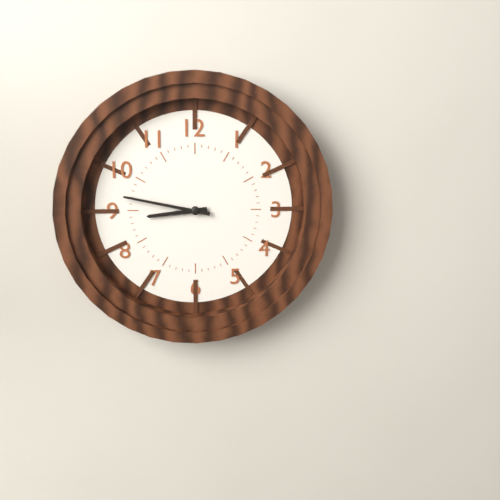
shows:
8,47
